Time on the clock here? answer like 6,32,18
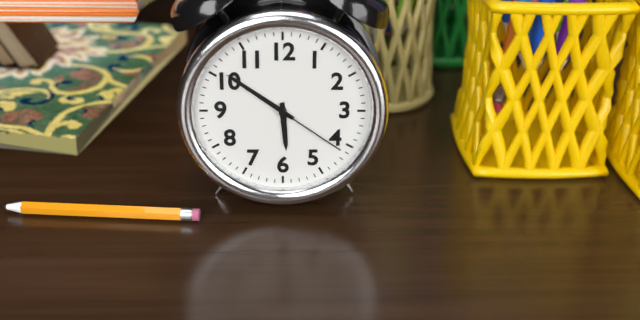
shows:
5,51,21
